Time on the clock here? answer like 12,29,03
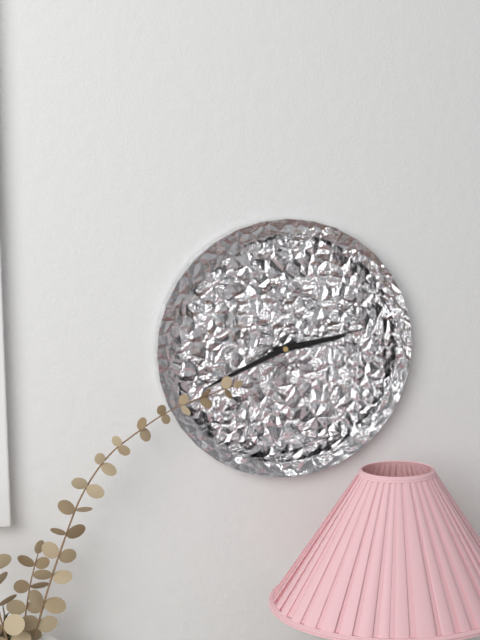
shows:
2,41,13
